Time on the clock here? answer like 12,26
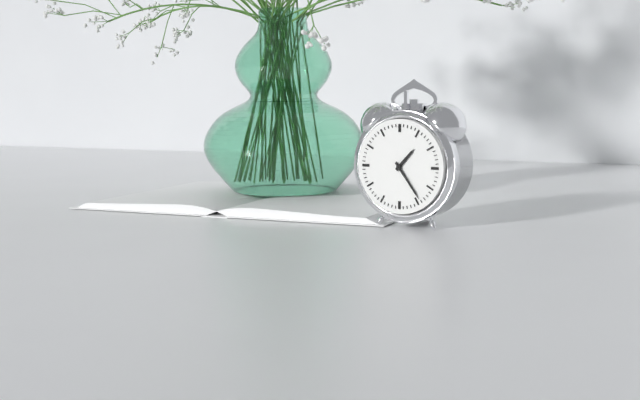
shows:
1,24
